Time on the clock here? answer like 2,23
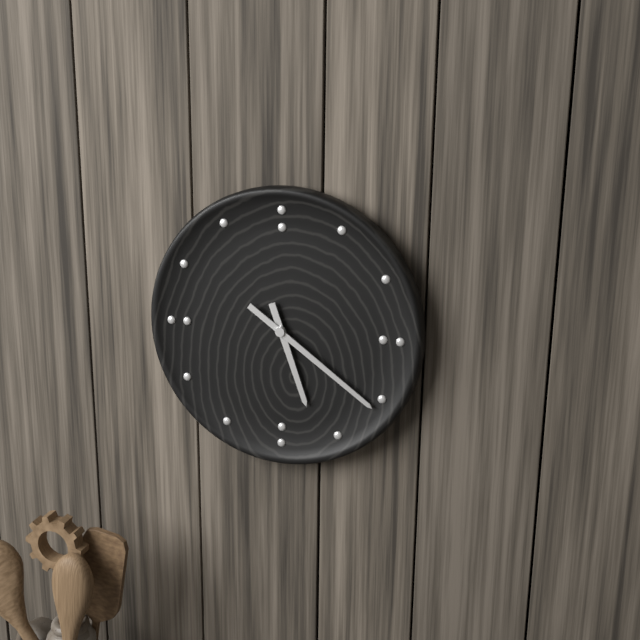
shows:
5,21
